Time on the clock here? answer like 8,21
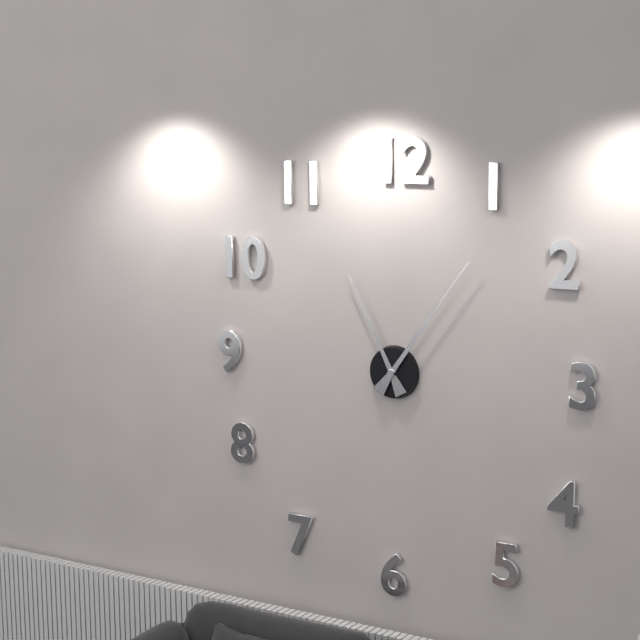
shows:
11,06
